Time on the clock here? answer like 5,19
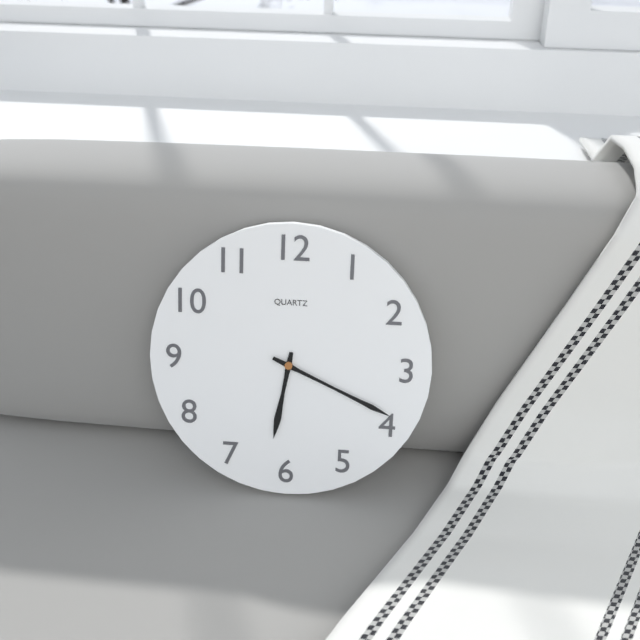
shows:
6,19
